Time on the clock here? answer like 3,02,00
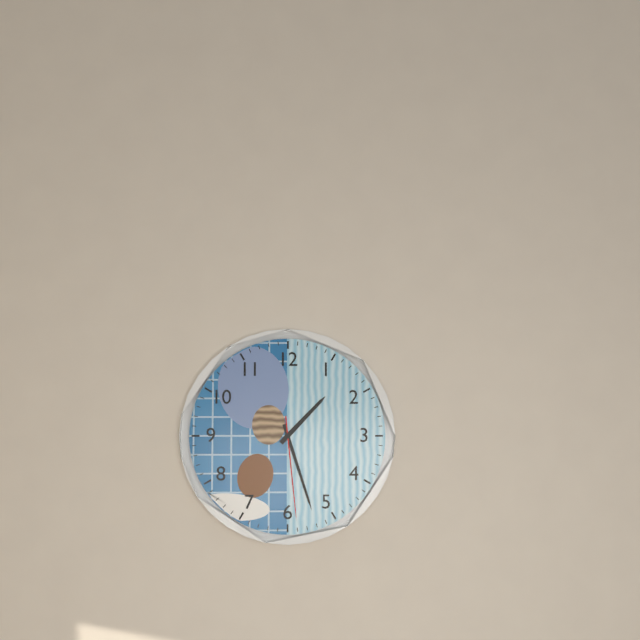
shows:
1,27,29
